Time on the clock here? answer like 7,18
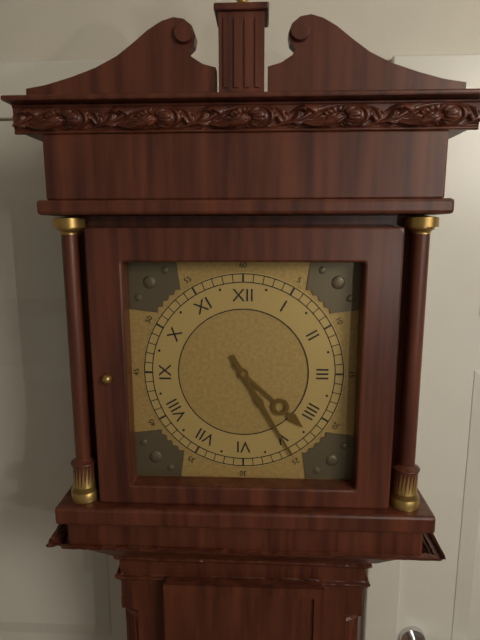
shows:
4,25
